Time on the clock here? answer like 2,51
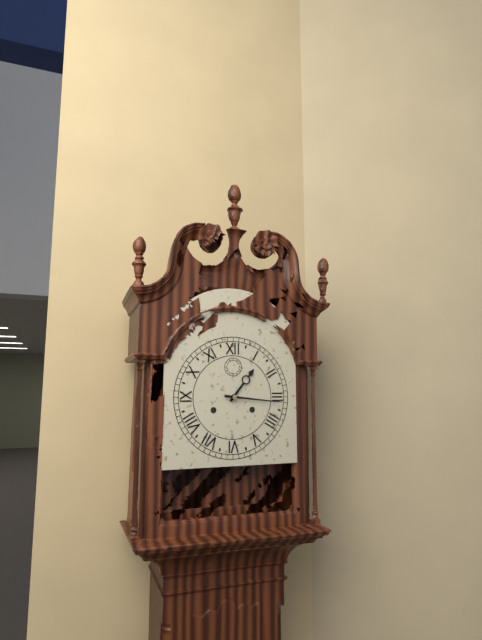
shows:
1,16
